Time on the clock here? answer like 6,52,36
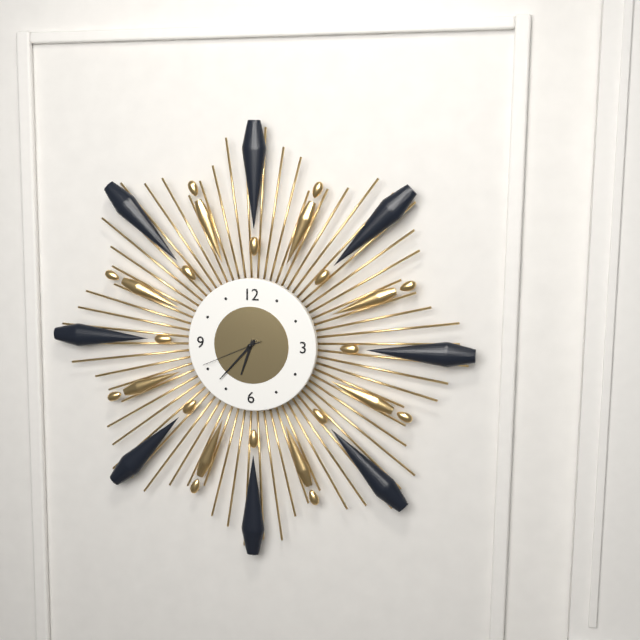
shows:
6,37,41
